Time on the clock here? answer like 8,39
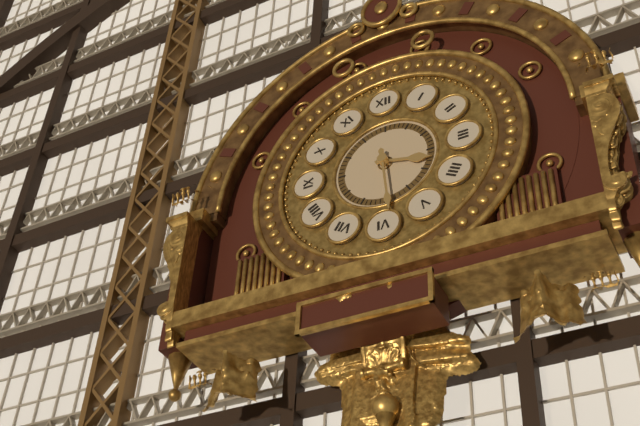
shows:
3,29
